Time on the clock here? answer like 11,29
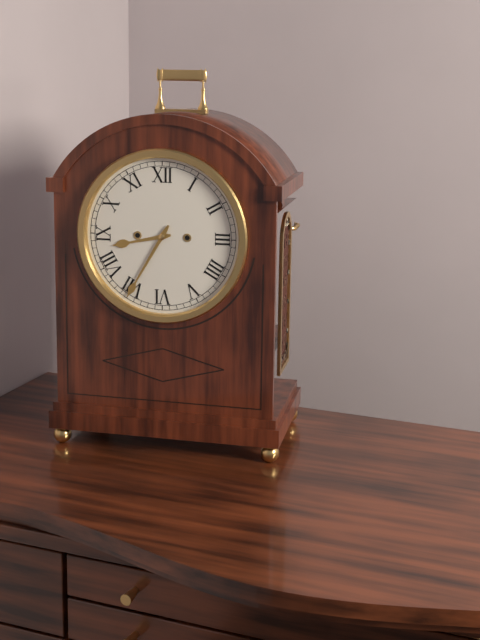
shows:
8,35
